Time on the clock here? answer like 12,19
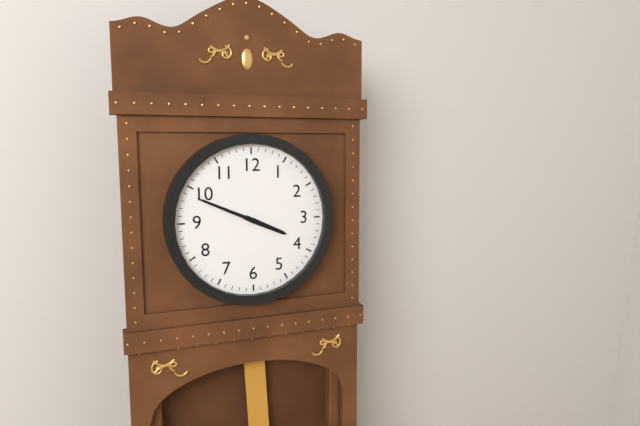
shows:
3,49
